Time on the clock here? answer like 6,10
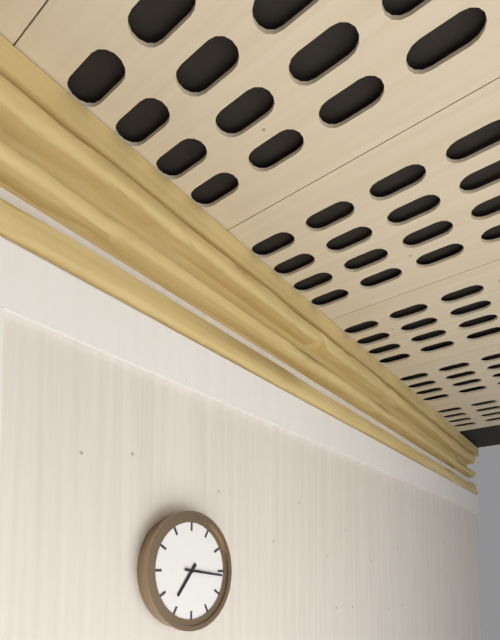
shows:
7,16
